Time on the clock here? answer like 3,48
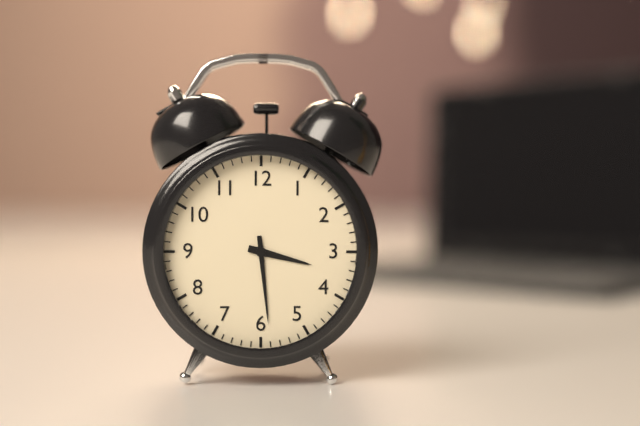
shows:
3,29
